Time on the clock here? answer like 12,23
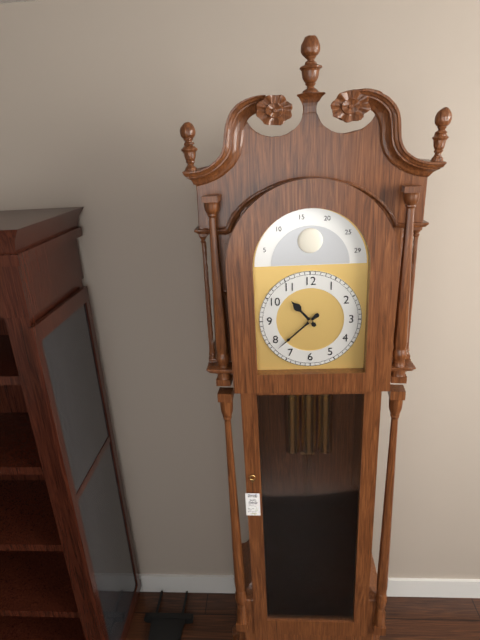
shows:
10,38
